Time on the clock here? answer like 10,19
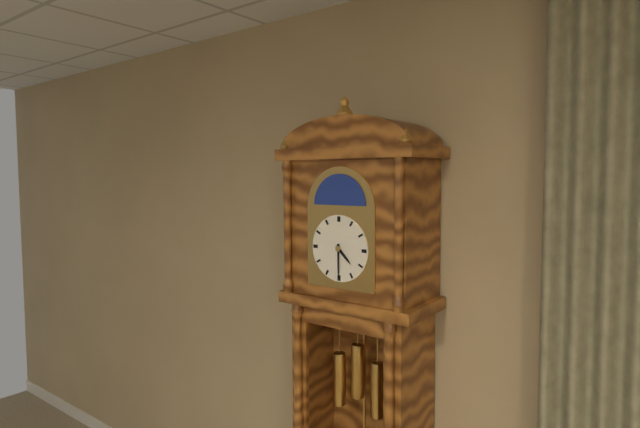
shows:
4,30
